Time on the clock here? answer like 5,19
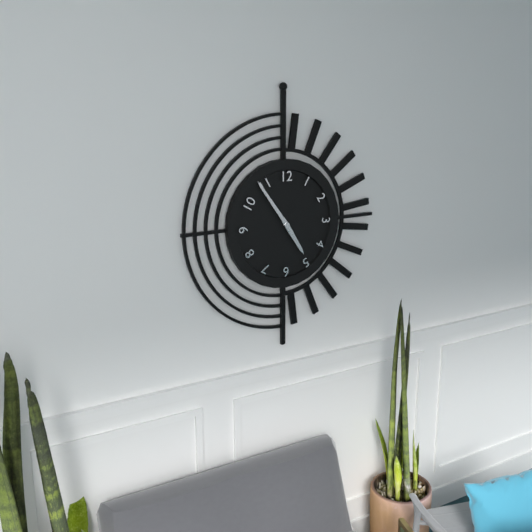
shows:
4,54
